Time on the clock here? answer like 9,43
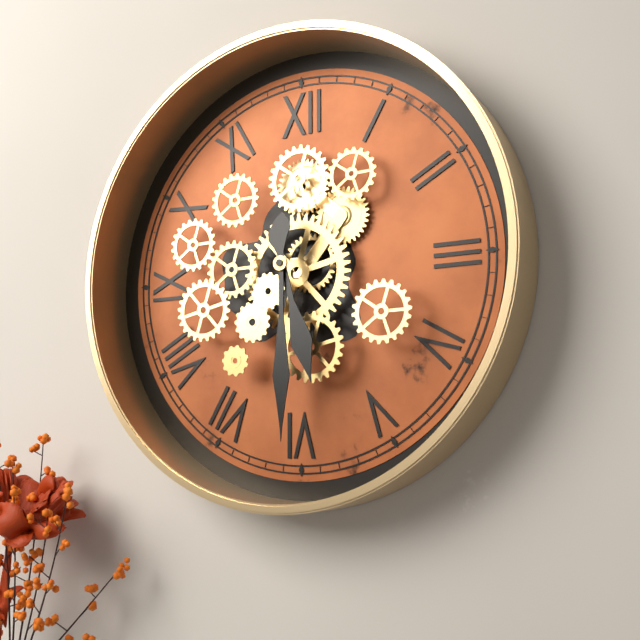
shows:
5,30
